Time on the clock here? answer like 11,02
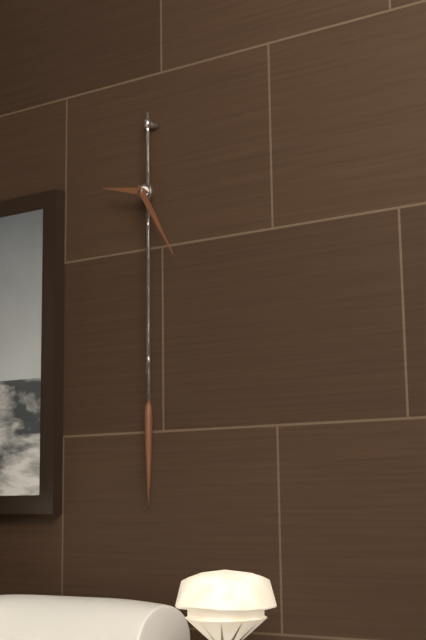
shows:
9,25
